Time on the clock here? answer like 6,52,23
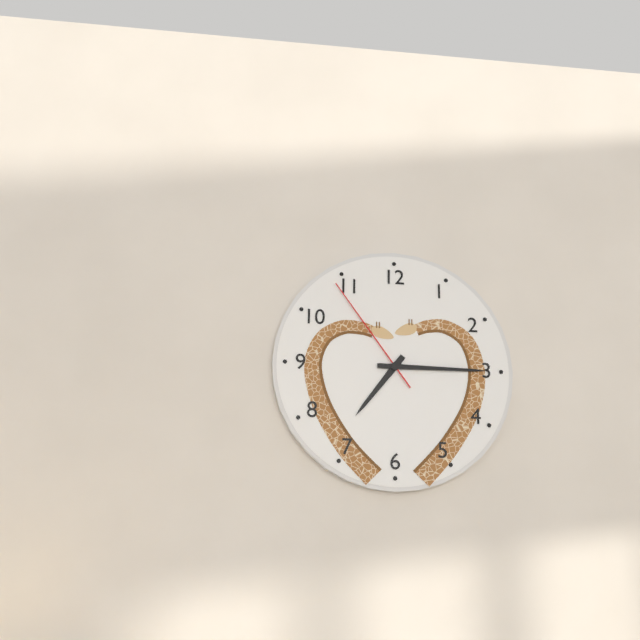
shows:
7,15,54
